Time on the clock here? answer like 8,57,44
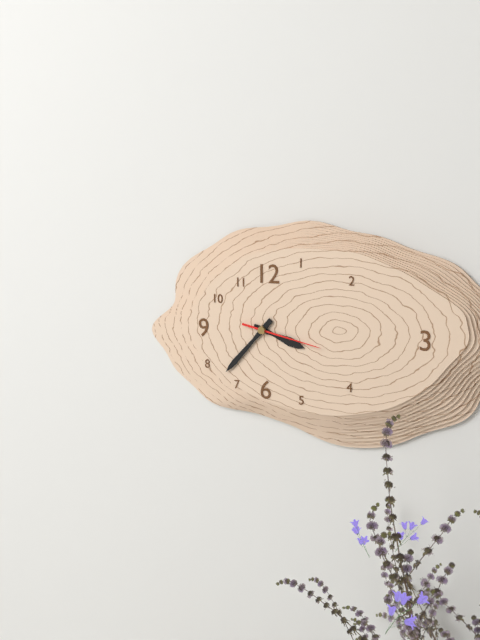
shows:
3,37,17
